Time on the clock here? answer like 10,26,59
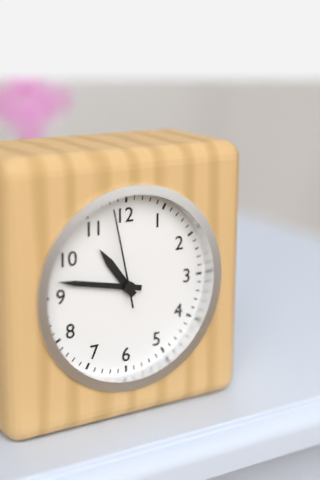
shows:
10,47,58
